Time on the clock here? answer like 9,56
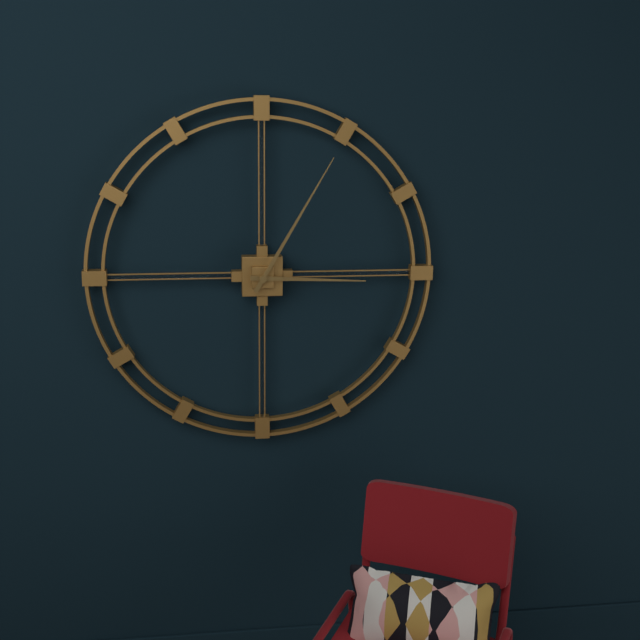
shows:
3,05
